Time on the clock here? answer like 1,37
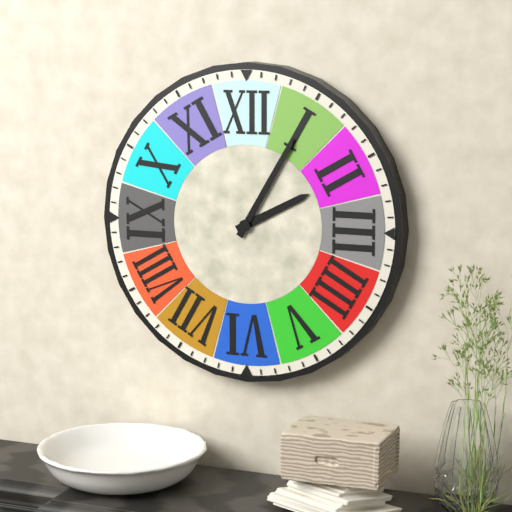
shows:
2,05
